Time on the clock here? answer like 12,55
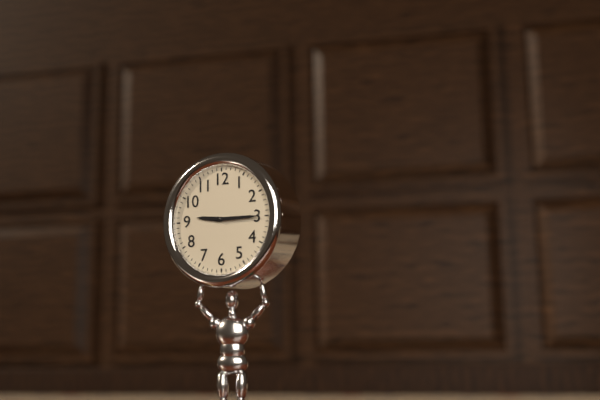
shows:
9,15
